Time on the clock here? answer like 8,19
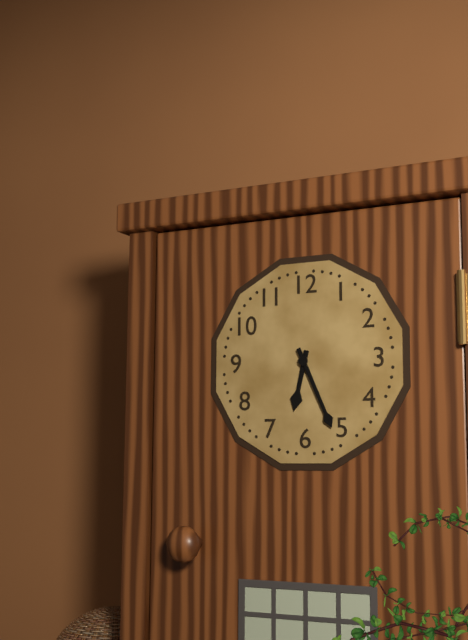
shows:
6,26
